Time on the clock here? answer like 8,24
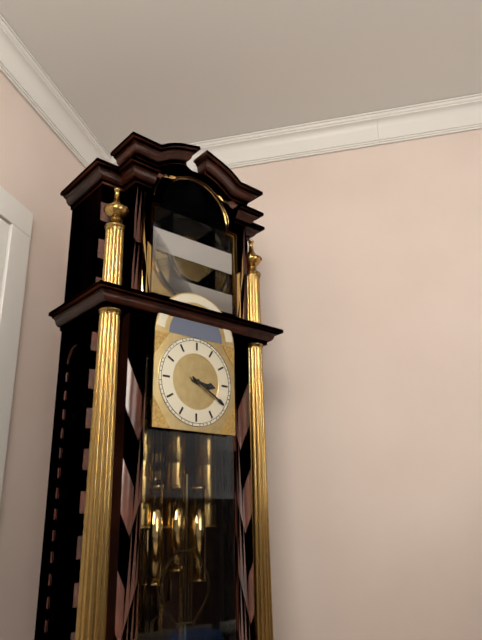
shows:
3,20
